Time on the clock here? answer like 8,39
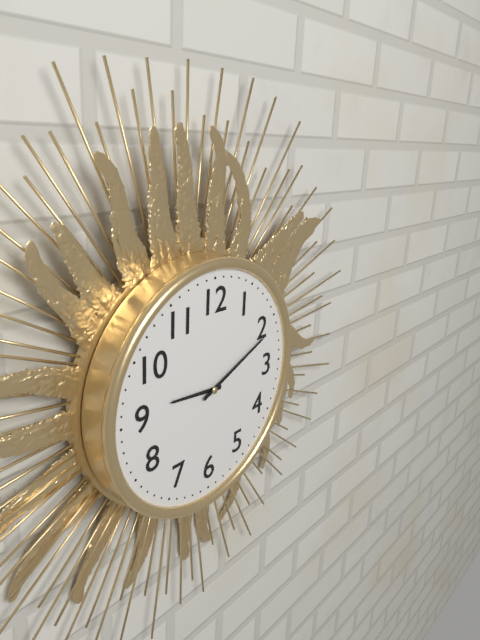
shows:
9,11
